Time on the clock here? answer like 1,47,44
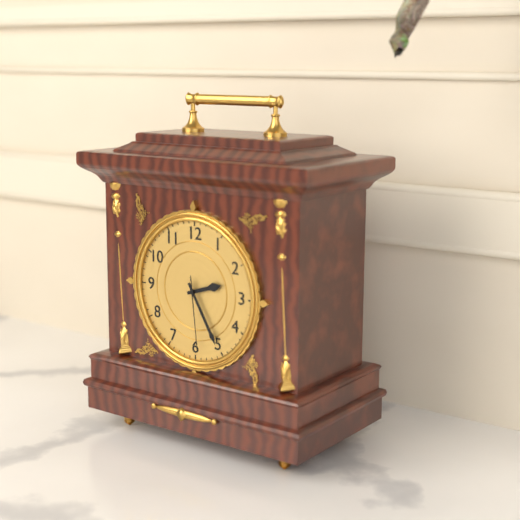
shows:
2,25,29
